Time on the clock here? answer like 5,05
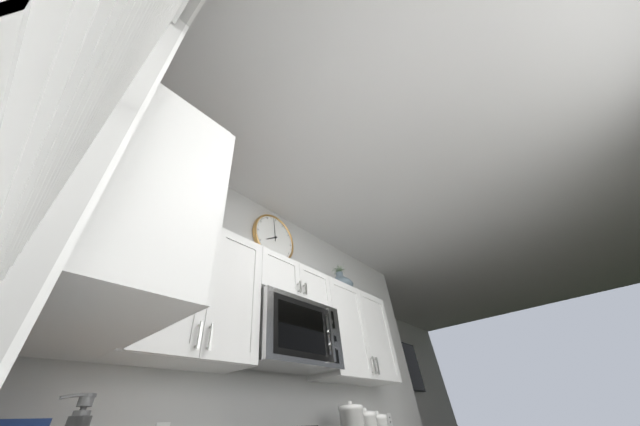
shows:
7,59
